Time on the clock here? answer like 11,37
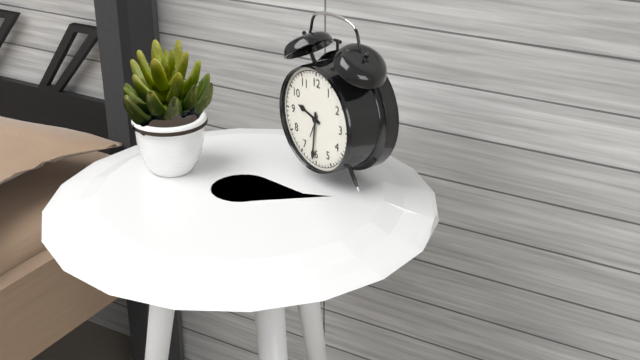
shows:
9,31
